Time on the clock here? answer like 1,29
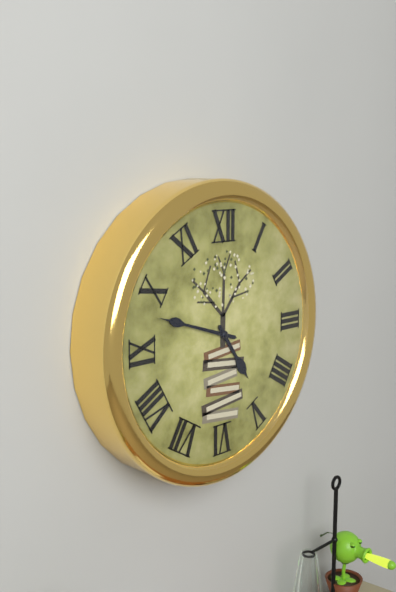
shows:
4,48
